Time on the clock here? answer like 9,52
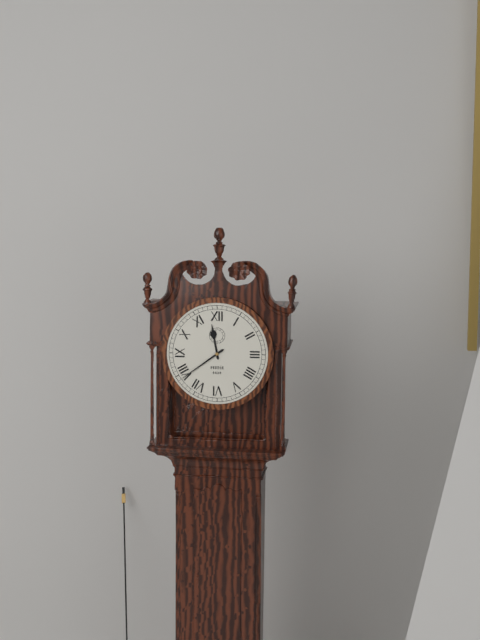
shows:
11,39
